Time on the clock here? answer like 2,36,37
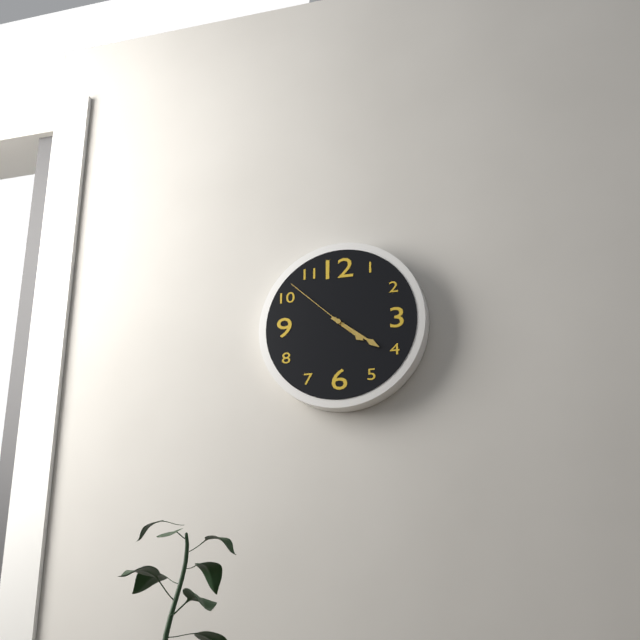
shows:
4,21,52
